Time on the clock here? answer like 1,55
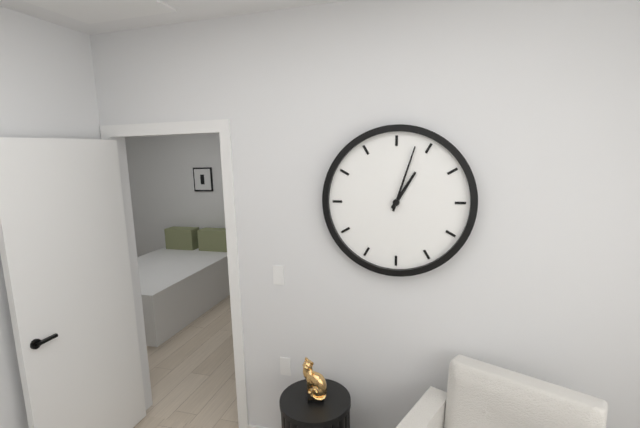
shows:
1,03
